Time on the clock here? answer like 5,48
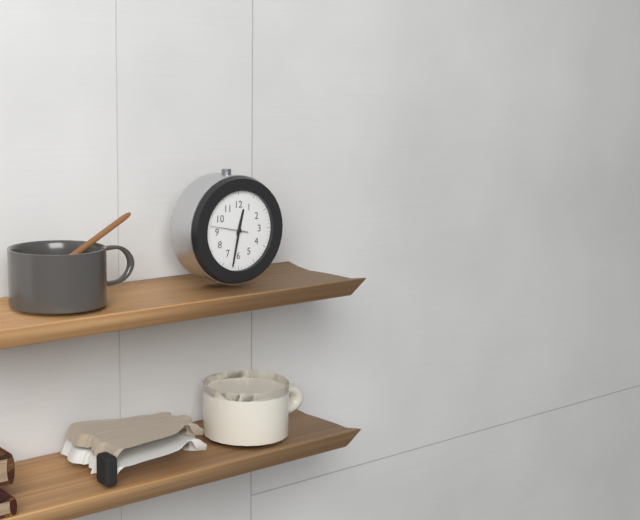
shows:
12,32
